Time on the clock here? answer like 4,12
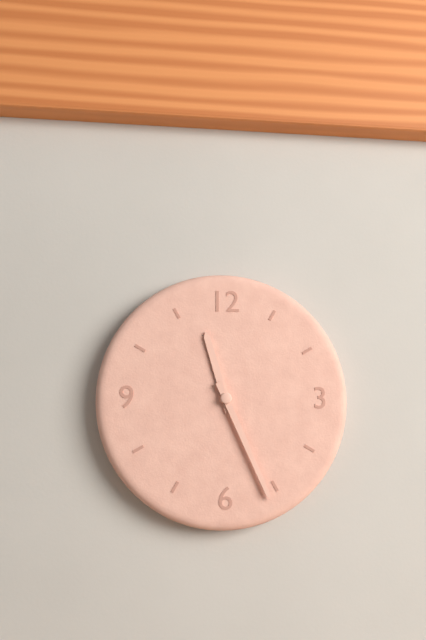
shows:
11,26
